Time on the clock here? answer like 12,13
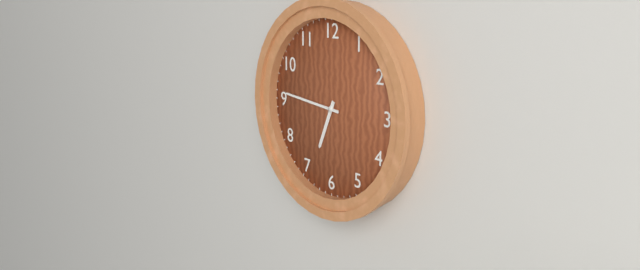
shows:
6,46
